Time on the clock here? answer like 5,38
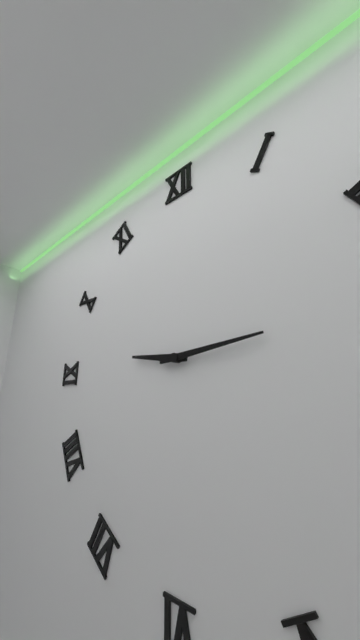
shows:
9,14
